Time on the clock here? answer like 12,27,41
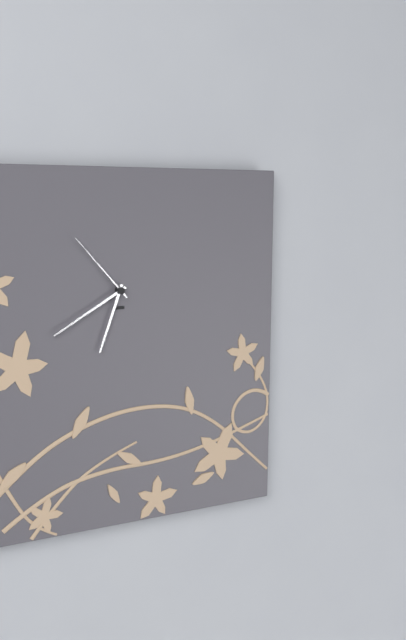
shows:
6,40,53
